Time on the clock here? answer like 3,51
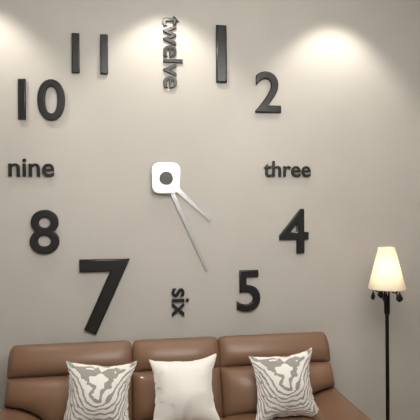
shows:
4,26
